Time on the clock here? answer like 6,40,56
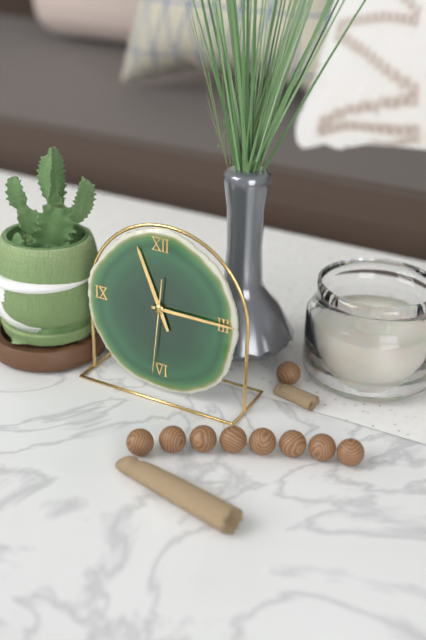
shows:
11,15,31
